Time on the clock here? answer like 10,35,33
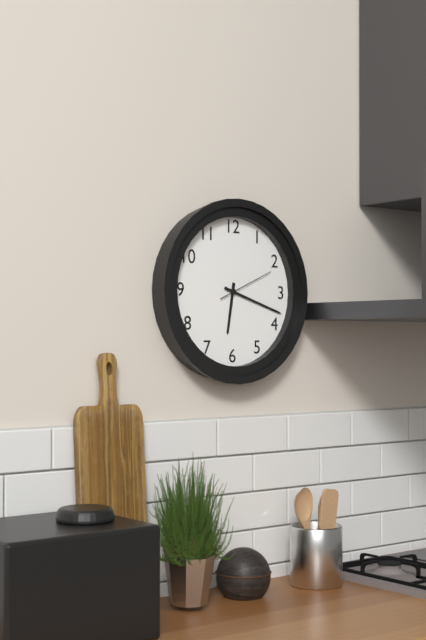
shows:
6,18,11
